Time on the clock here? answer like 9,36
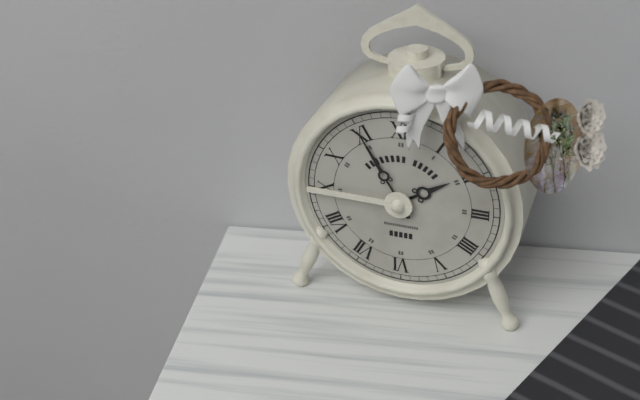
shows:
1,55
